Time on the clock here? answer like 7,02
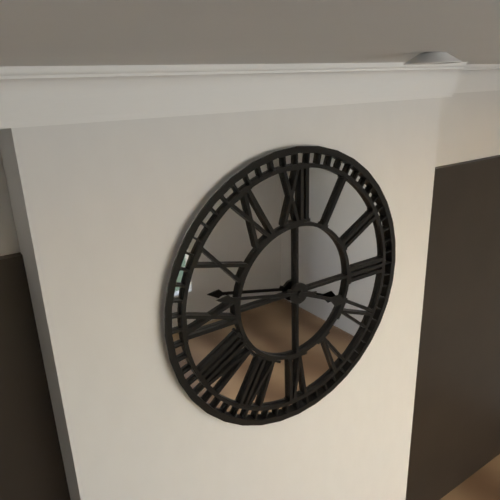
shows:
3,47
